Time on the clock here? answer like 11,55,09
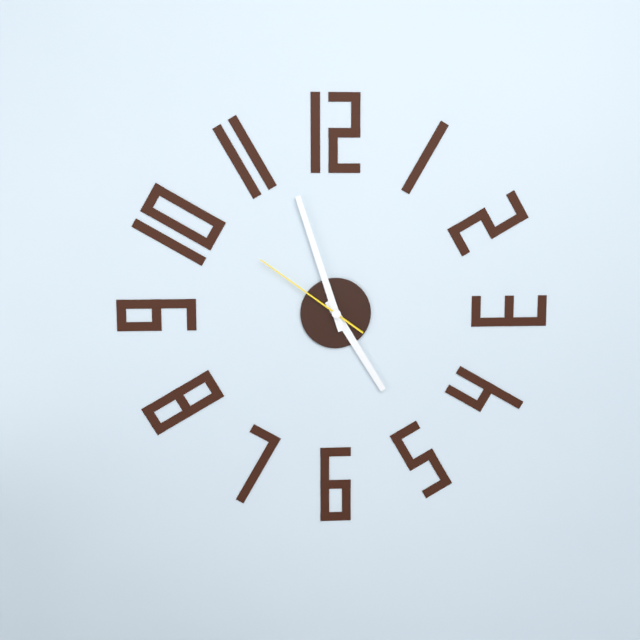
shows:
4,57,51
